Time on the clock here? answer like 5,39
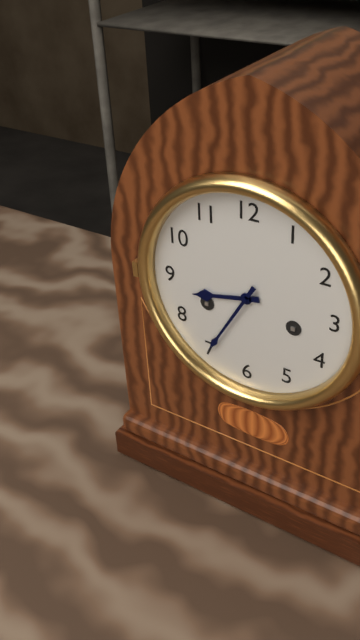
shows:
8,35
